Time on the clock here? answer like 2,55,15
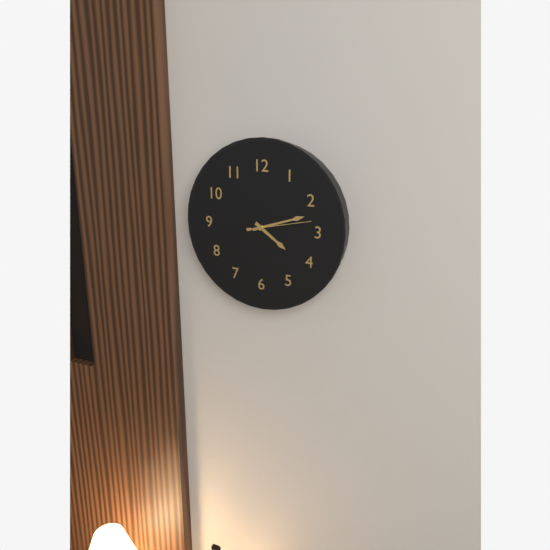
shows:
4,12,13
